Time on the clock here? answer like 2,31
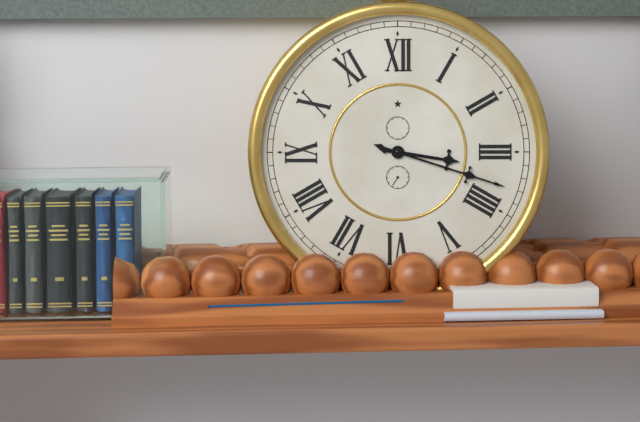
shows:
3,18
